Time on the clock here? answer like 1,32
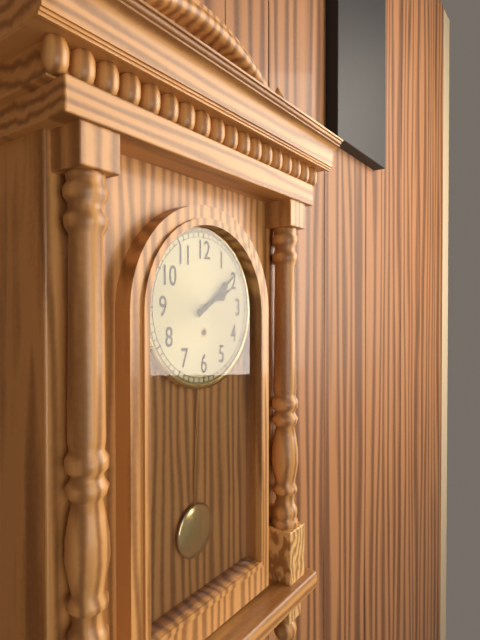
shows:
2,09
